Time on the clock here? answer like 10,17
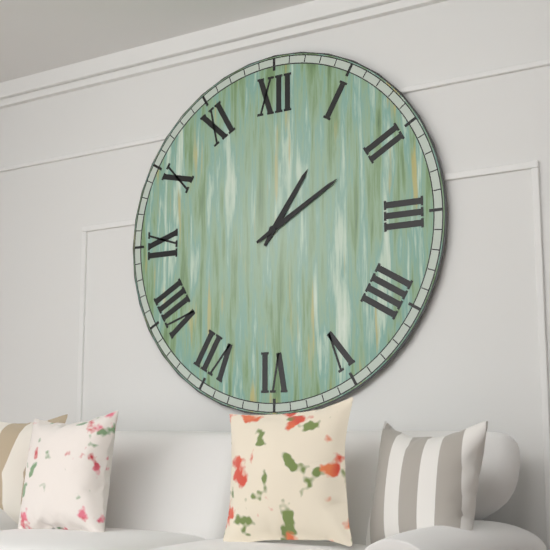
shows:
1,10
